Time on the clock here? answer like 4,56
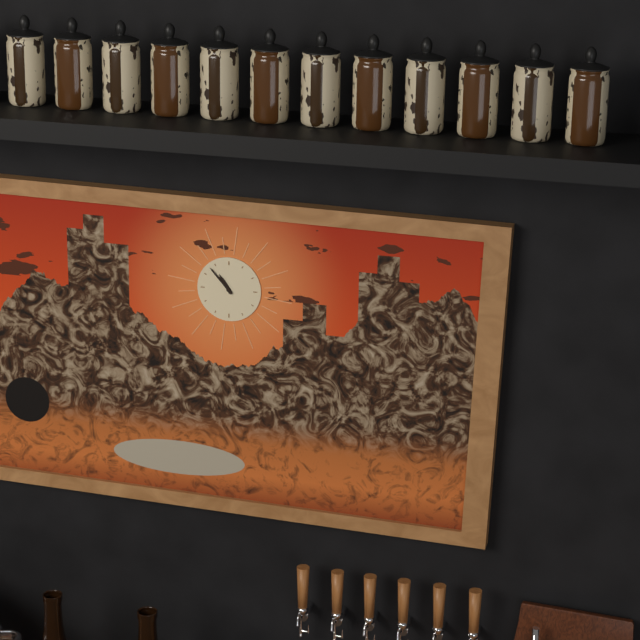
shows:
10,53
